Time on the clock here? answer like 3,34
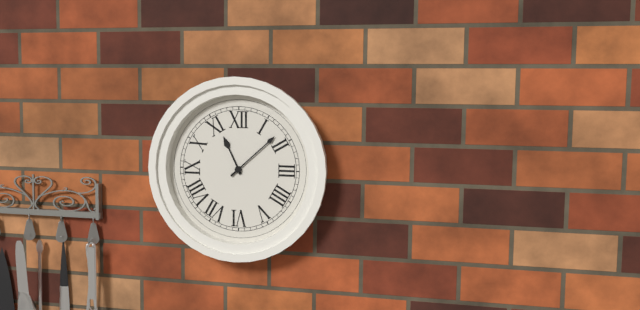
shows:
11,08
